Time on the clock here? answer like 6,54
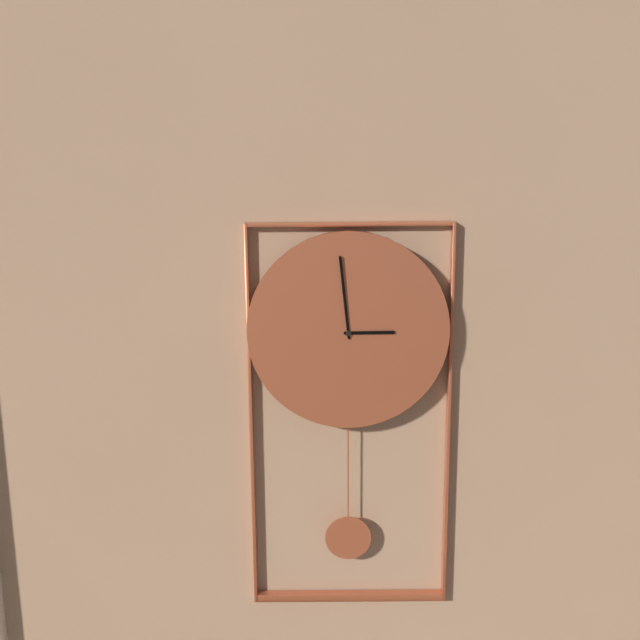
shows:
2,59
